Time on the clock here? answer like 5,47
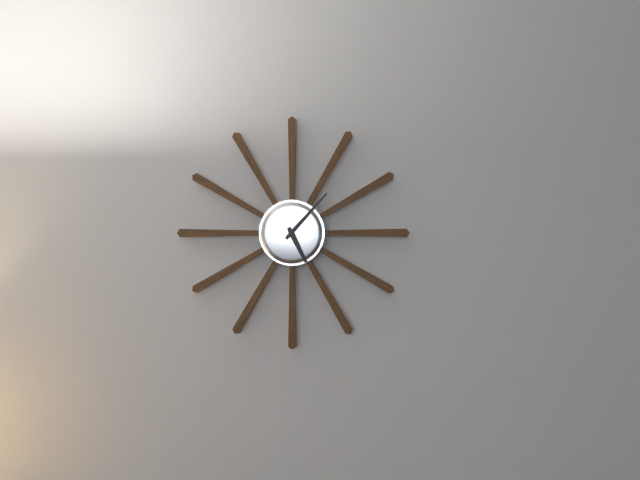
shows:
5,07
